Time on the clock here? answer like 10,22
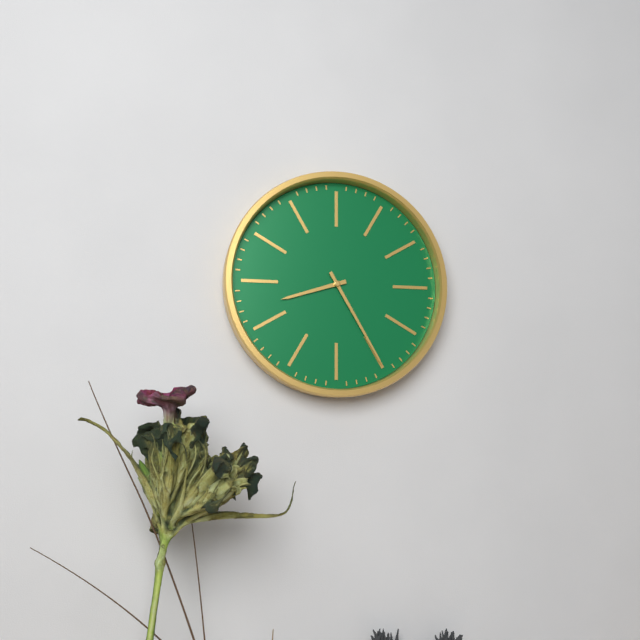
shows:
8,25
